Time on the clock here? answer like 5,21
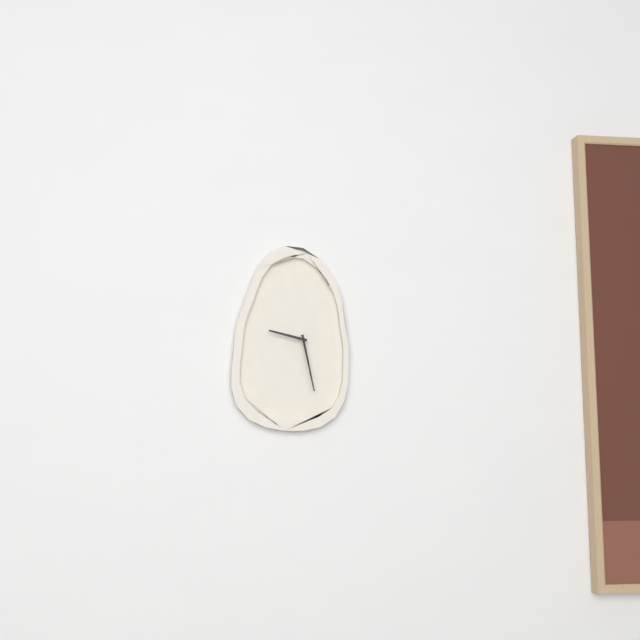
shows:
9,28
